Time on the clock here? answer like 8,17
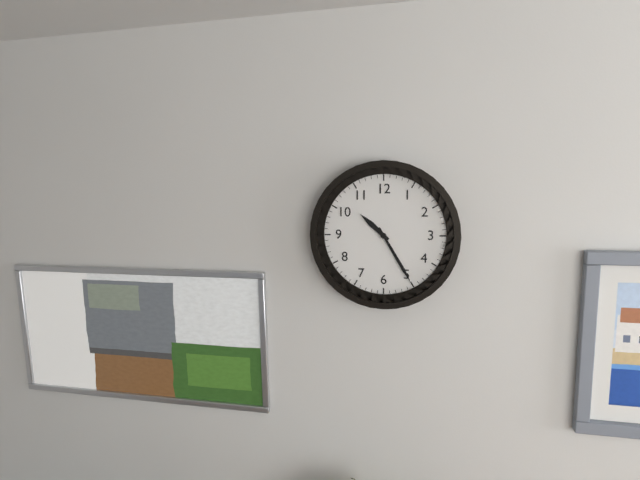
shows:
10,25
